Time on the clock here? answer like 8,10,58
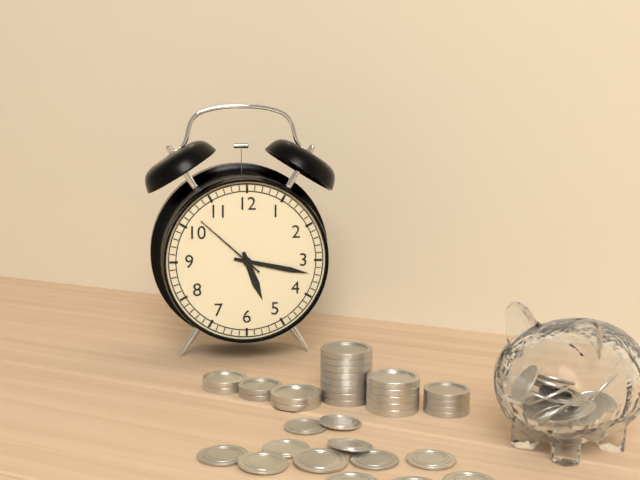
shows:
5,17,52
